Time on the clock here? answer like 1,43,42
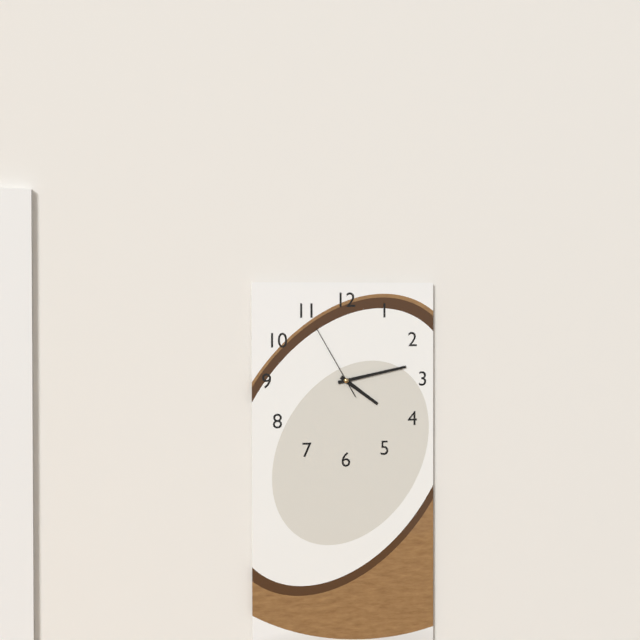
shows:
4,13,55
